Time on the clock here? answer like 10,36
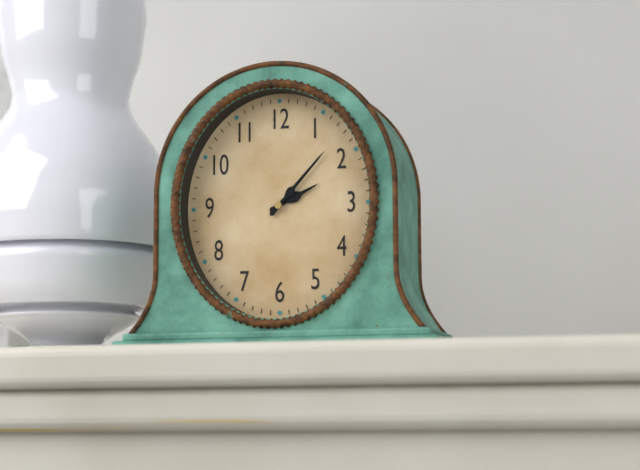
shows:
2,07
